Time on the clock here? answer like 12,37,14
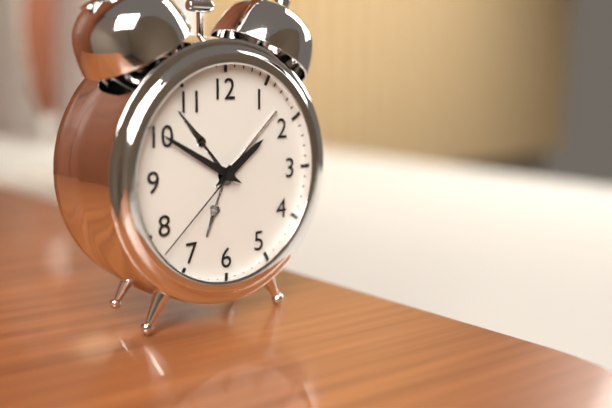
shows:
1,50,38
